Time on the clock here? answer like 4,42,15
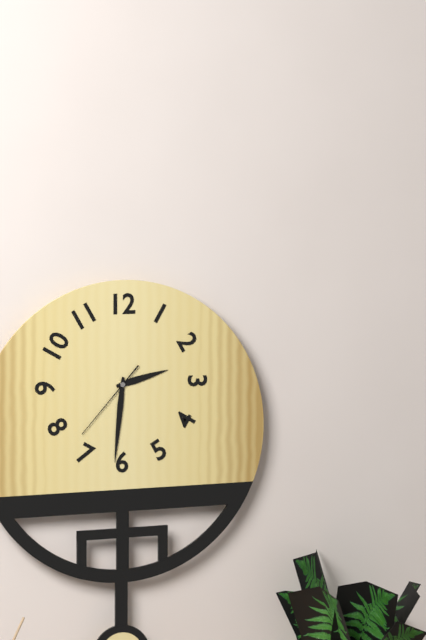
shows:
2,31,37
